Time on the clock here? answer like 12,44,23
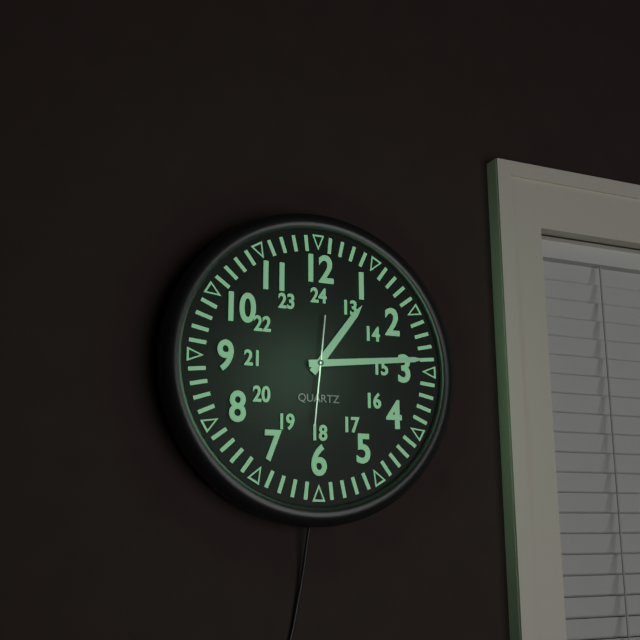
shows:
1,14,31
